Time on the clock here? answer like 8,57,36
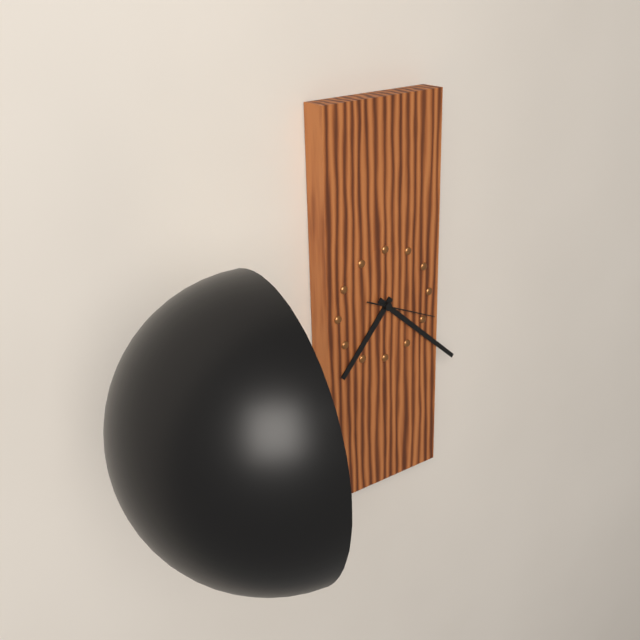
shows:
7,22,19
